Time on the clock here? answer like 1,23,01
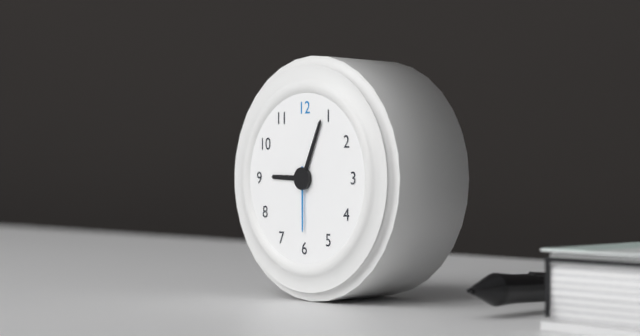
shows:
9,04,30
